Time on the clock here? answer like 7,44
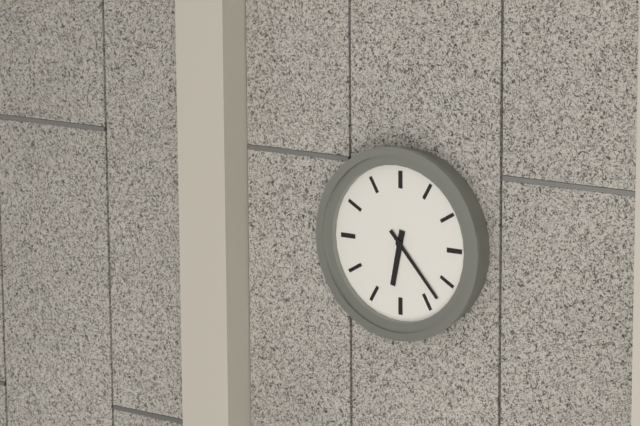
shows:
6,23
